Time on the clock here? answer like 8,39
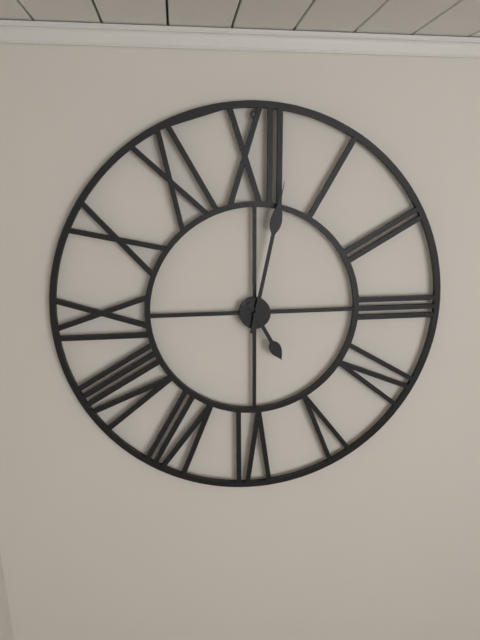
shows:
5,02
